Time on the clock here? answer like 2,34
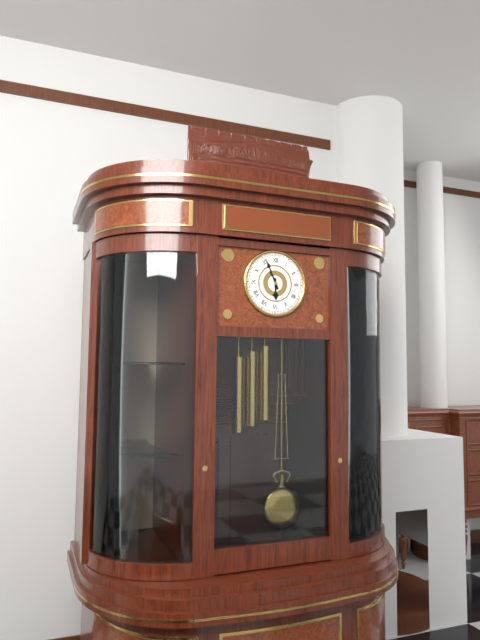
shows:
5,56
